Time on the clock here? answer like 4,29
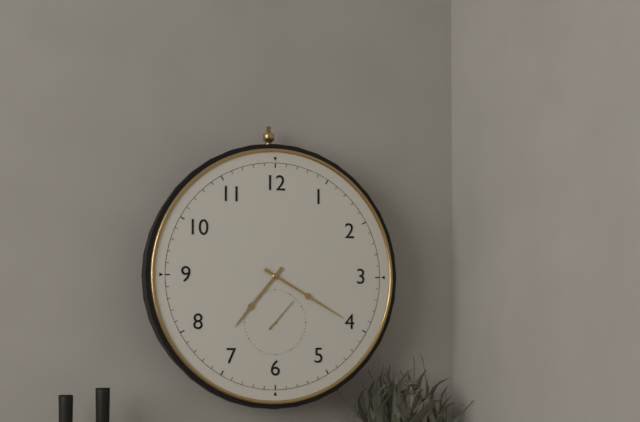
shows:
7,20
